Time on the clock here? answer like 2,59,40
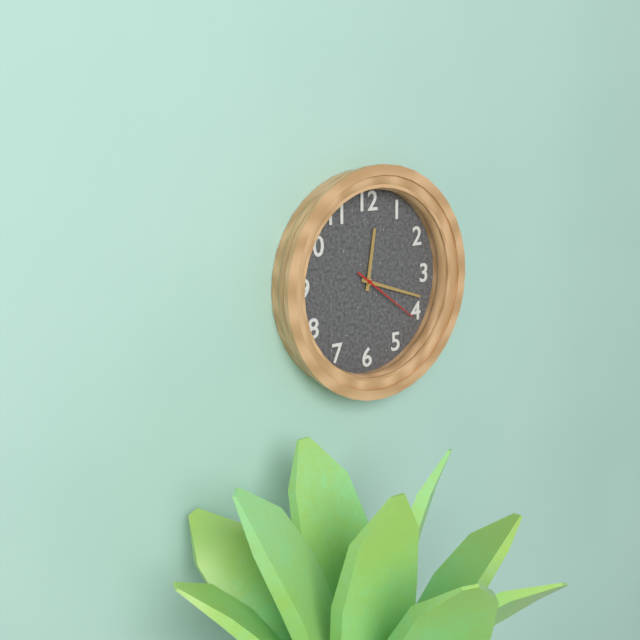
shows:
12,18,21
